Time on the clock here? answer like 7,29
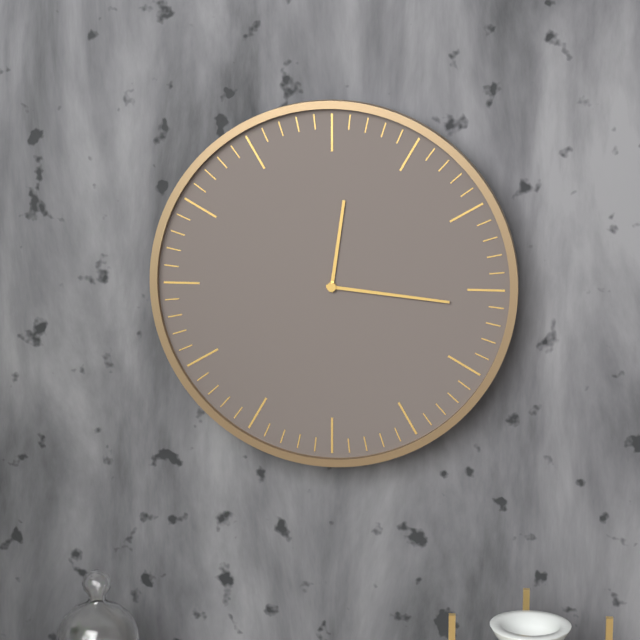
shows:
12,16
